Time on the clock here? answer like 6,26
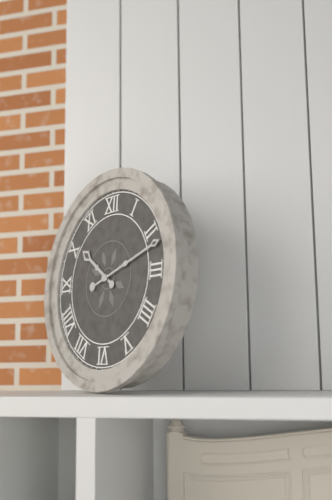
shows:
10,12
